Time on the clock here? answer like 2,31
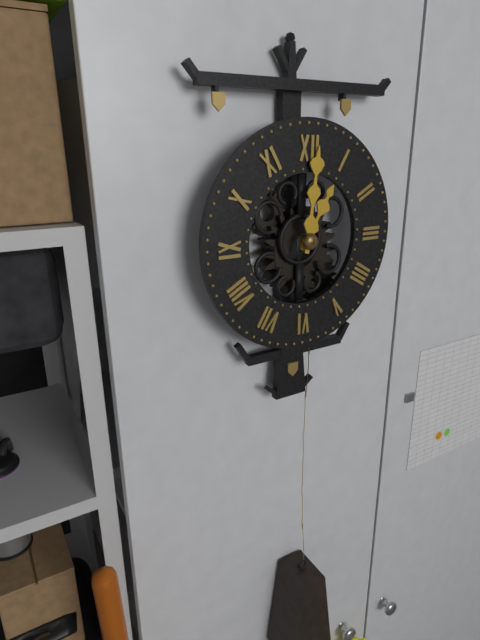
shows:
1,01
